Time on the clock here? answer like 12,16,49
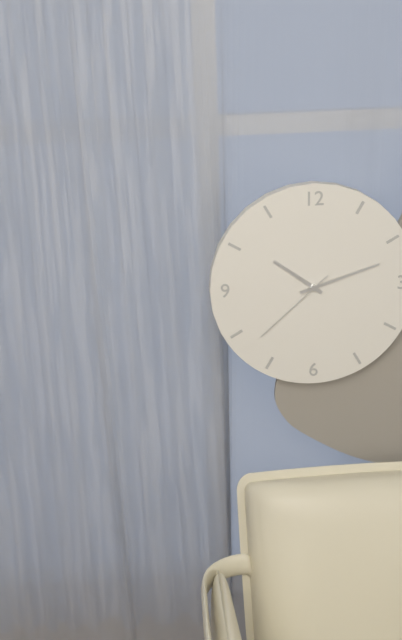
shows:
10,12,38
